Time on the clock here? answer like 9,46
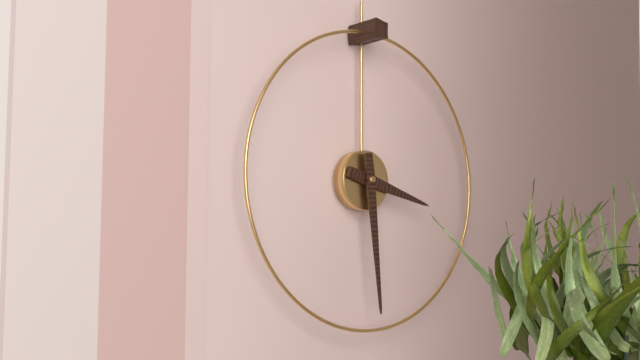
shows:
3,29
